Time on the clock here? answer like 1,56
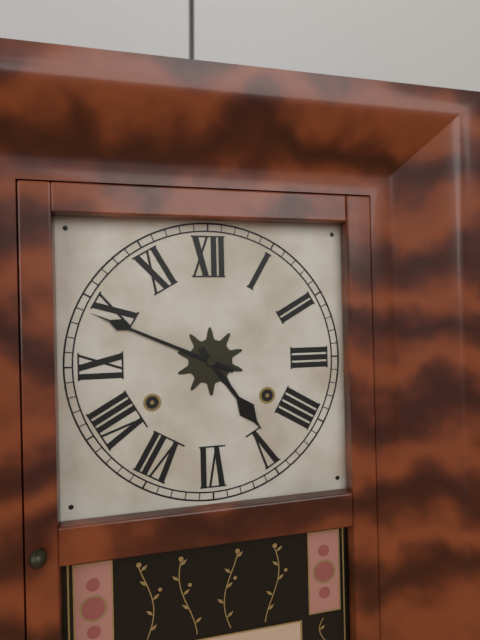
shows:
4,49
